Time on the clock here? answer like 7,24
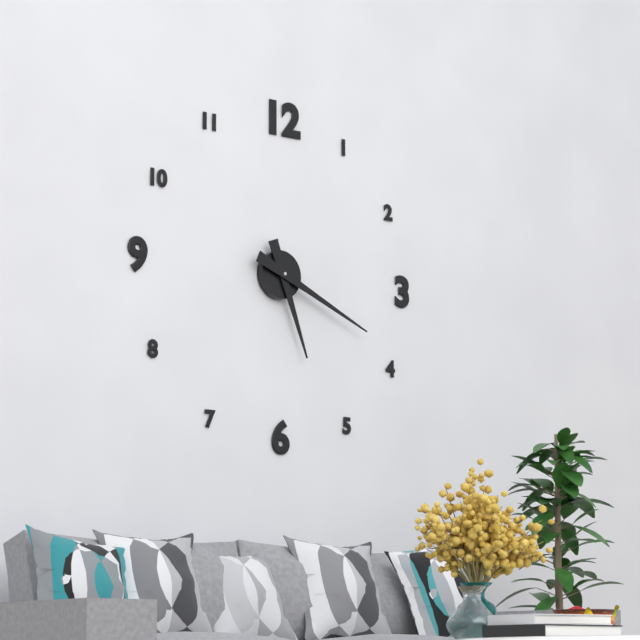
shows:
5,19
